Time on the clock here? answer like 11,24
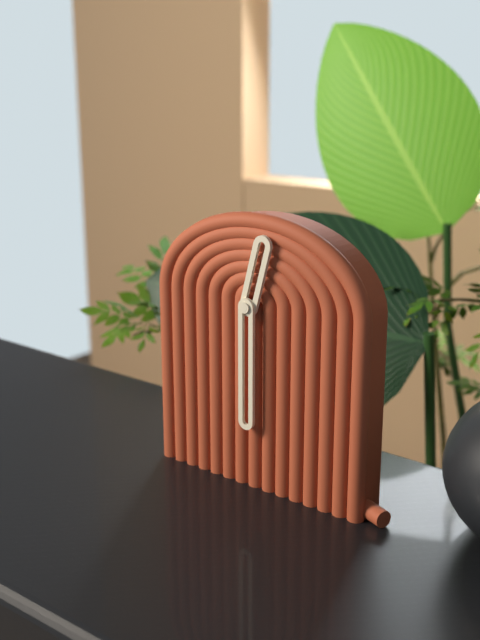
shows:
12,30
